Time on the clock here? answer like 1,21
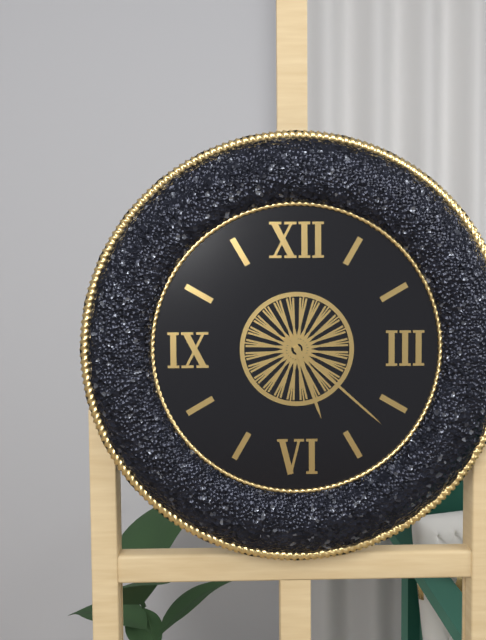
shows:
5,22
